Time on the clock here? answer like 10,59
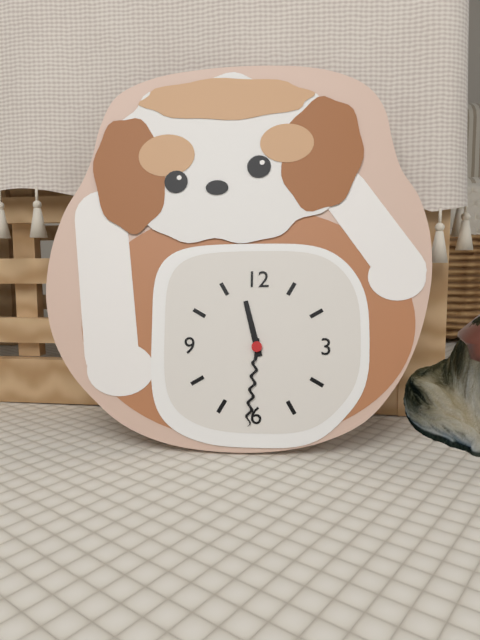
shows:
11,31
